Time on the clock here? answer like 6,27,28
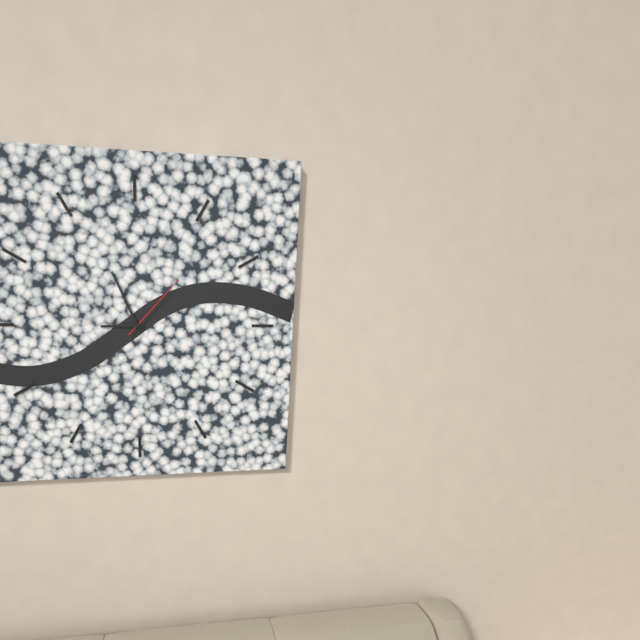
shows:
8,56,07
